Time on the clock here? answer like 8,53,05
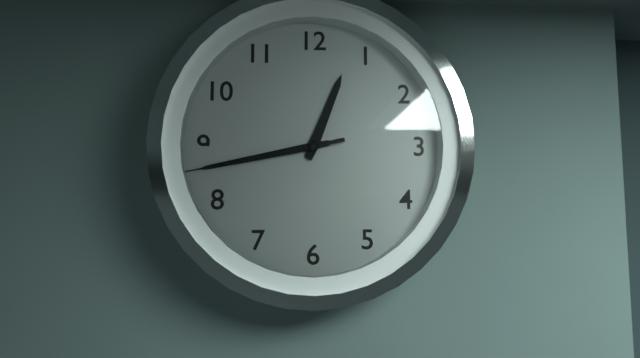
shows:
12,43,43
